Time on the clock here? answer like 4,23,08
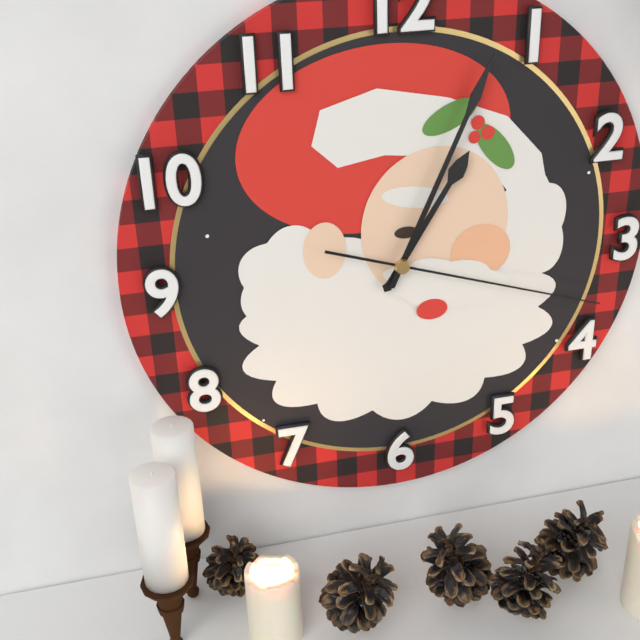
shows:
1,04,18
